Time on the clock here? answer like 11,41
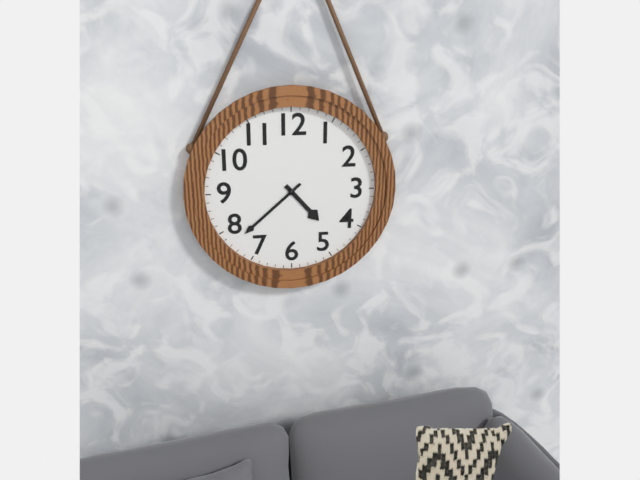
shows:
4,38
